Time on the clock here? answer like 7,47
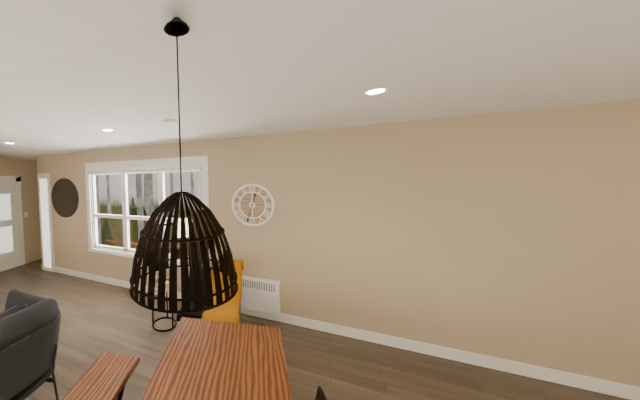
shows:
12,33
